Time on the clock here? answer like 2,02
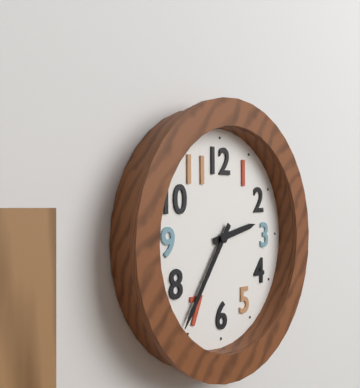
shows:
2,36
